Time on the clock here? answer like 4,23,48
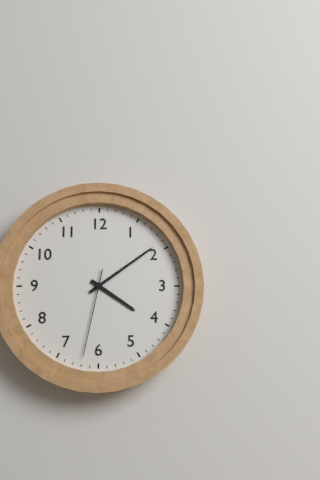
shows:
4,09,32
